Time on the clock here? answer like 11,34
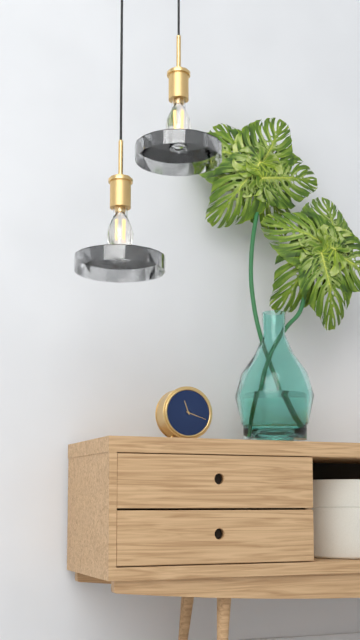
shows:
11,18
